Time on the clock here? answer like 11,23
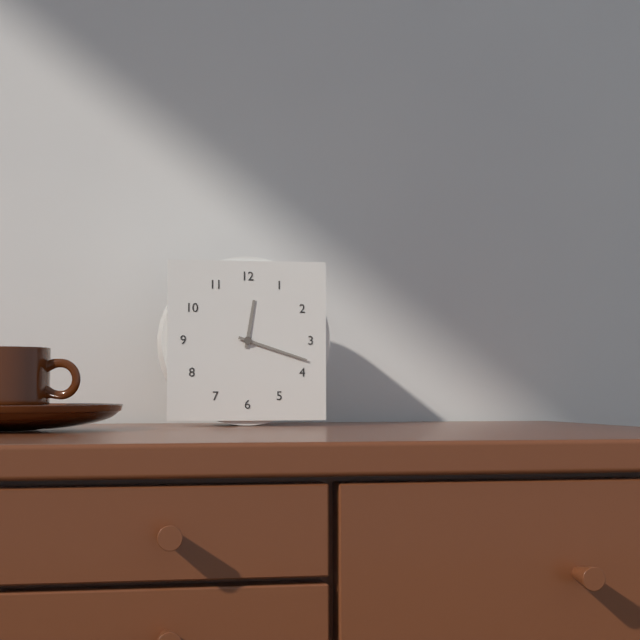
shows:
12,18
